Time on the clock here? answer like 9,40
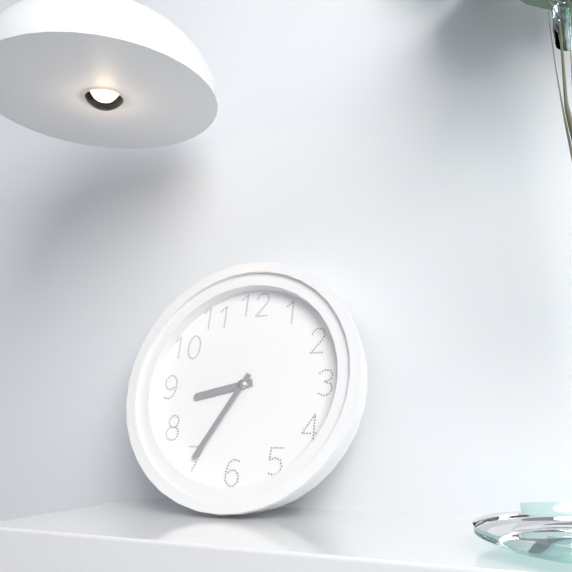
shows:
8,35
